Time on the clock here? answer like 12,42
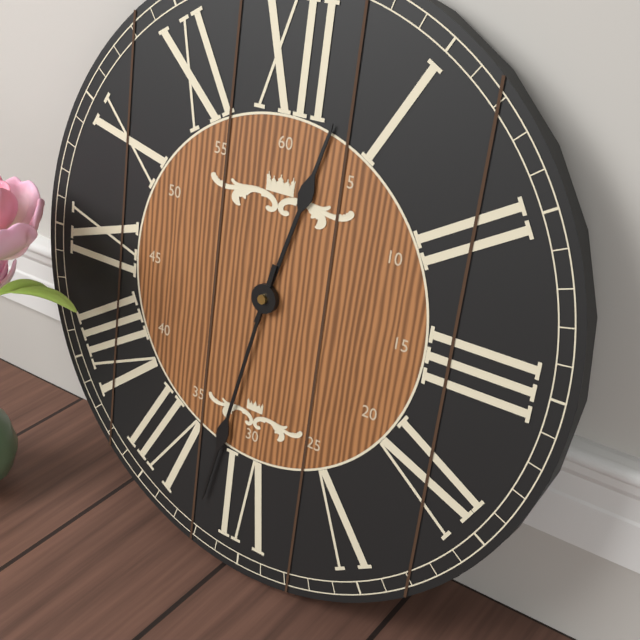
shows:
12,32
